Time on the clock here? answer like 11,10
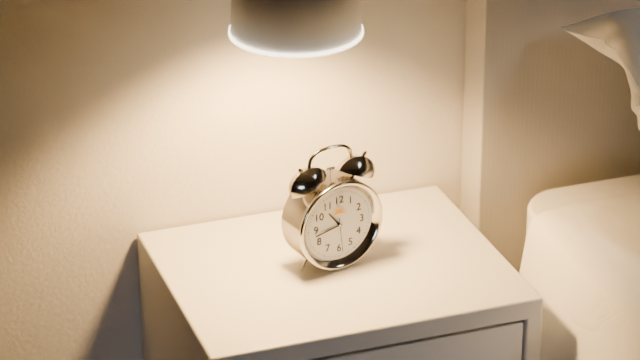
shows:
10,43
